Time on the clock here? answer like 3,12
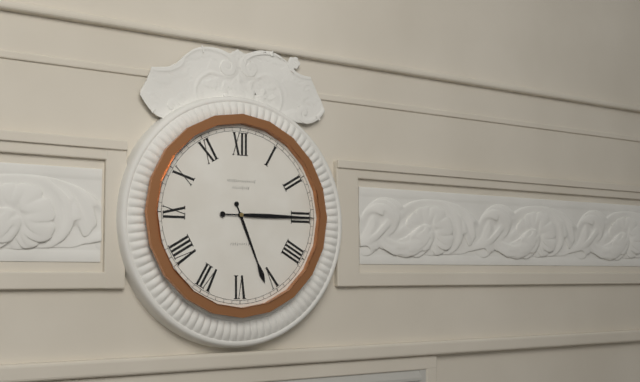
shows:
5,15
